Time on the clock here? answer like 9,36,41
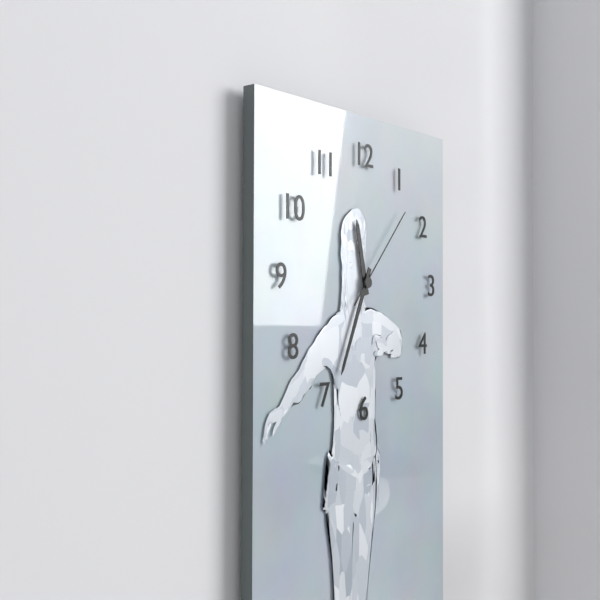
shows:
11,34,07
